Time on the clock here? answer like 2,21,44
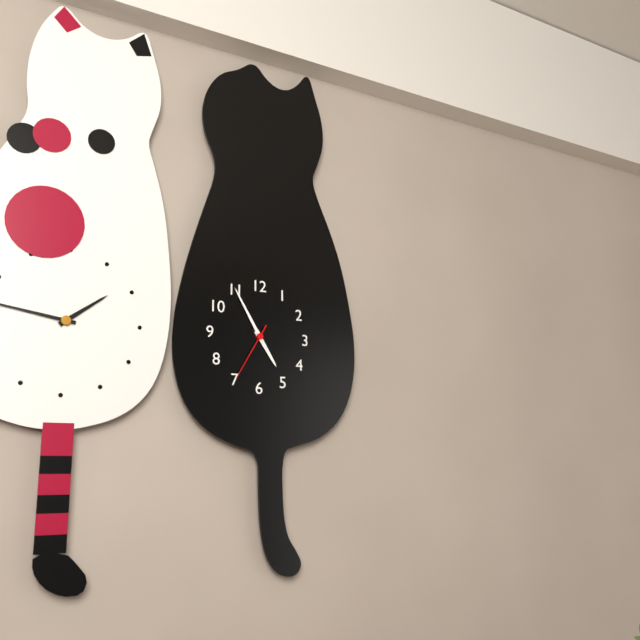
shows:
4,55,35
